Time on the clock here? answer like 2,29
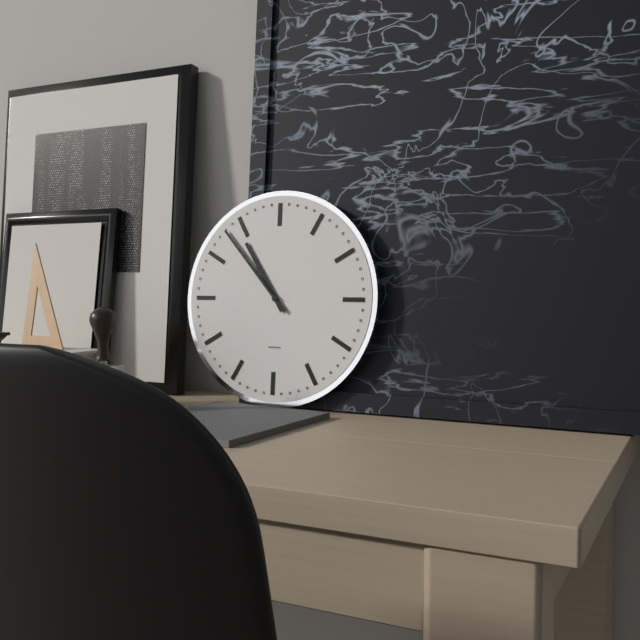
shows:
10,53
